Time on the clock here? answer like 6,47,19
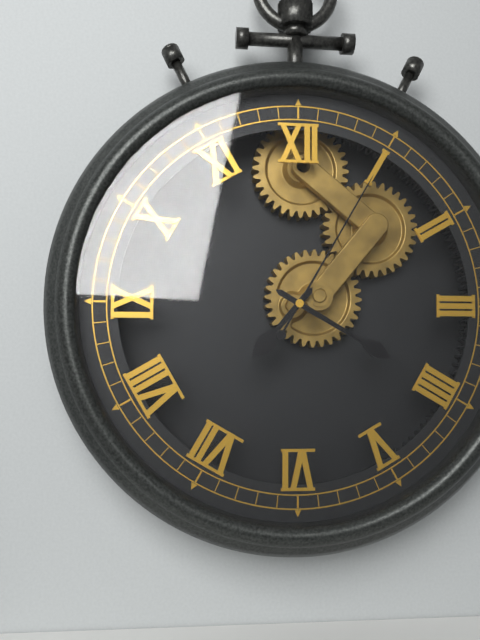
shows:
7,20,05
